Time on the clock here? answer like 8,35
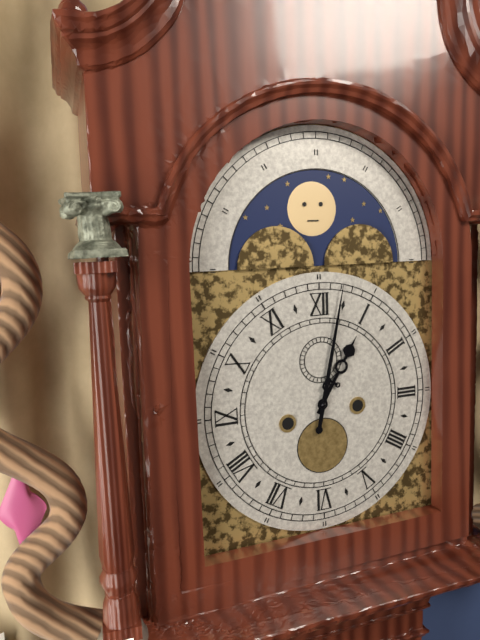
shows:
1,02
